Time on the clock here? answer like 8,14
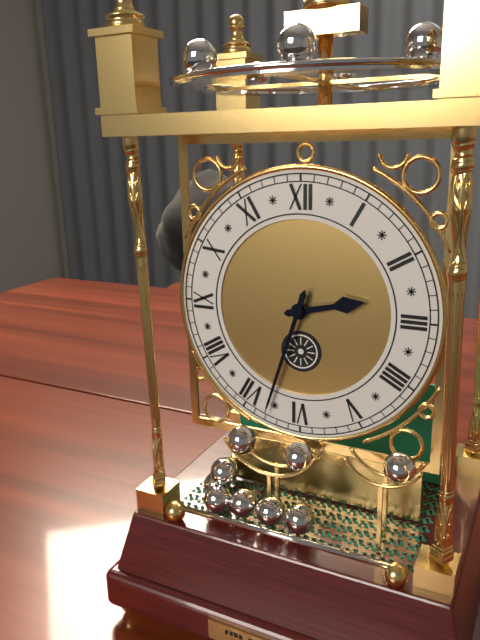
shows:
2,33
